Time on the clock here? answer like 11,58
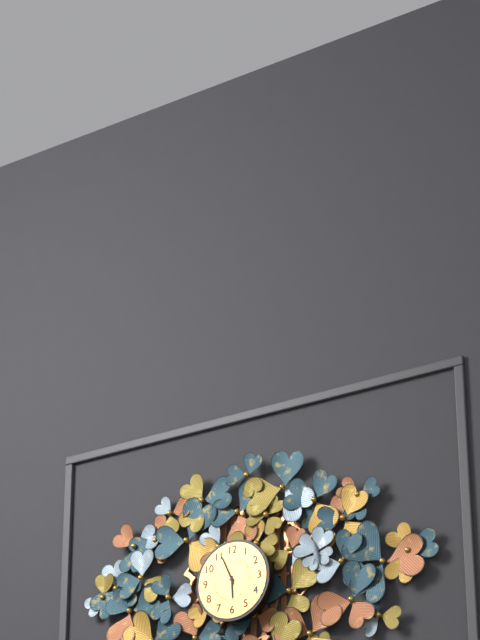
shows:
5,56
